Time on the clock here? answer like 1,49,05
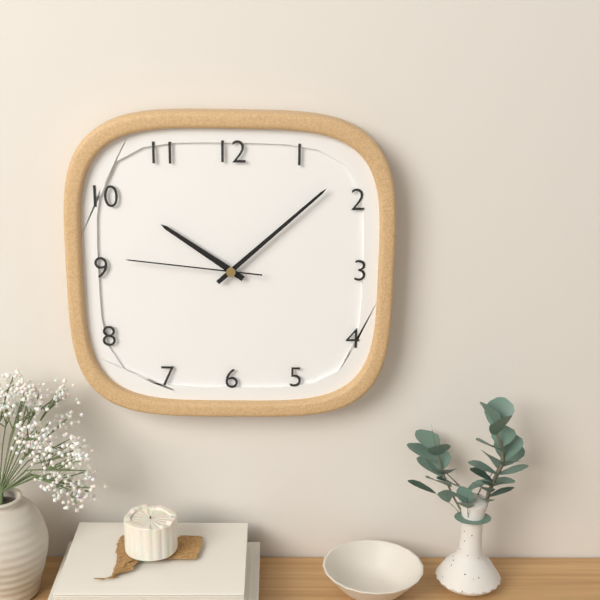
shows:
10,08,46
